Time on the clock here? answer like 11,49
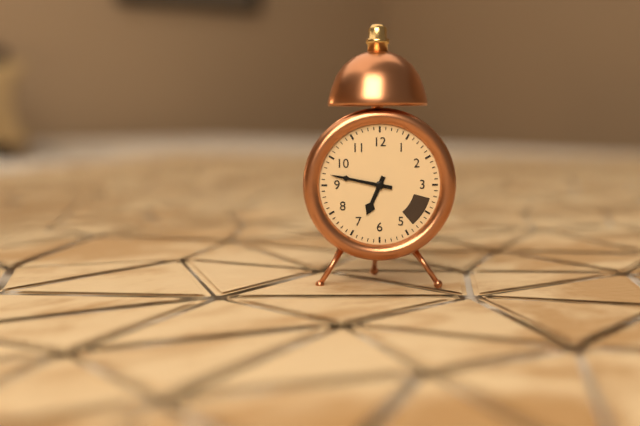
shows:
6,47
